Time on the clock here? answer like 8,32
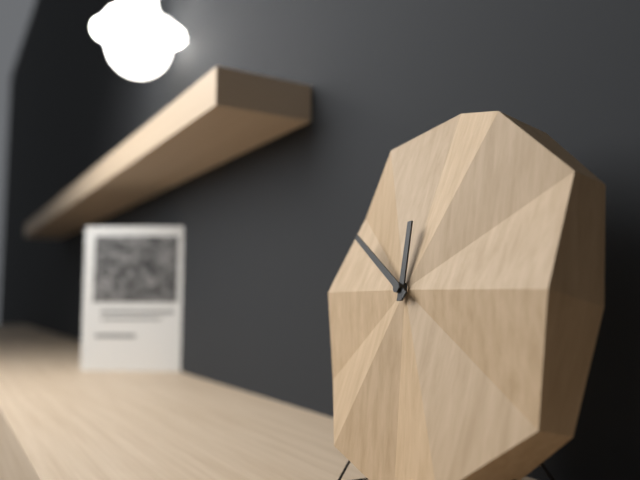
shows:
11,50
